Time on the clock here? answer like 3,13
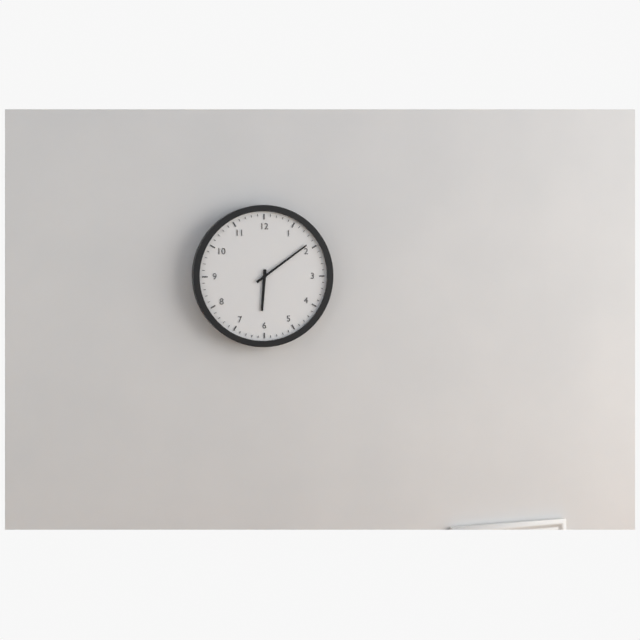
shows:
6,09
